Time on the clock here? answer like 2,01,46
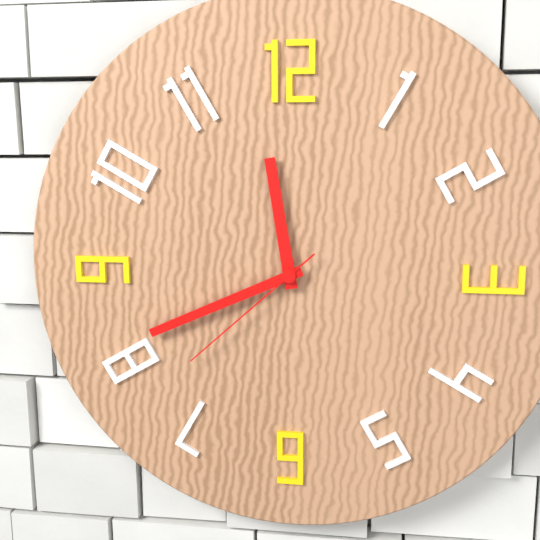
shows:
11,41,38
